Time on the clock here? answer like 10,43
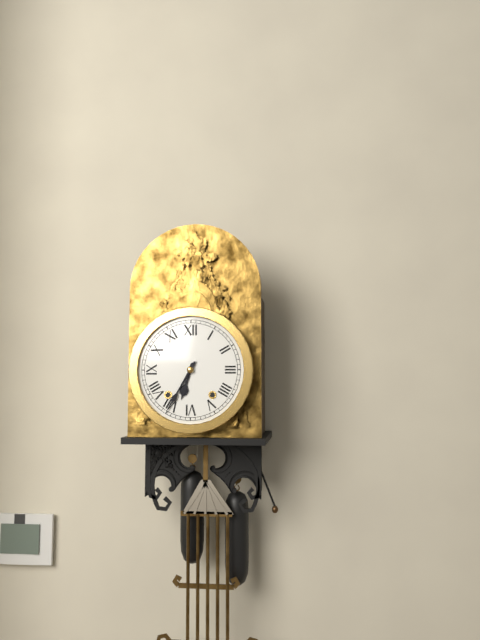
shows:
6,35
